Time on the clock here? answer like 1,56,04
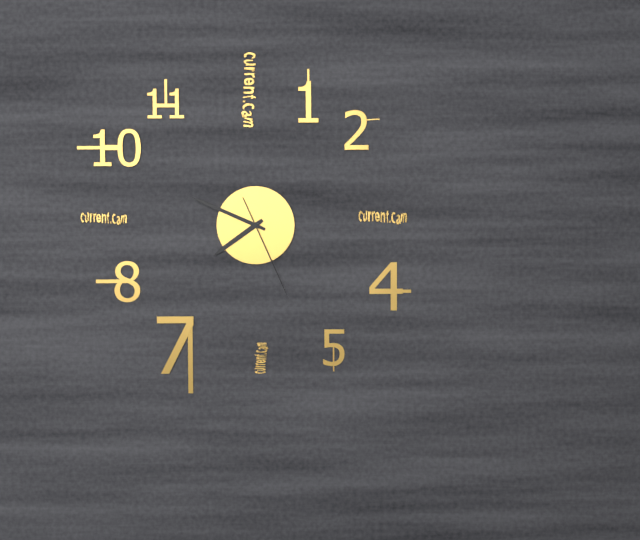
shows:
7,49,26
